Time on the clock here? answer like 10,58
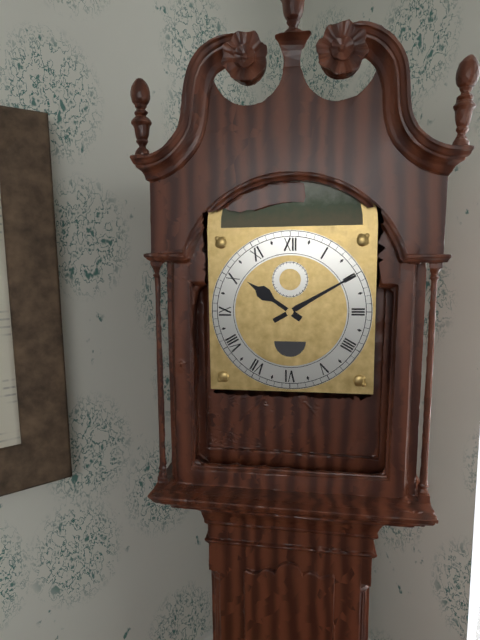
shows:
10,10
